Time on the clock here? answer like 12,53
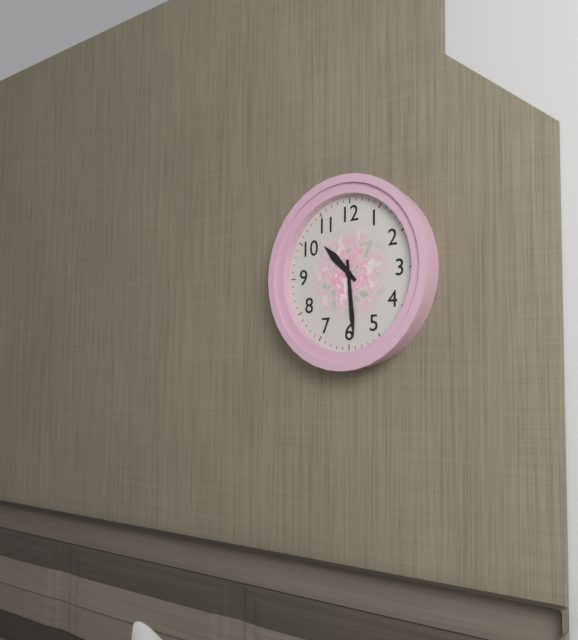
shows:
10,29
